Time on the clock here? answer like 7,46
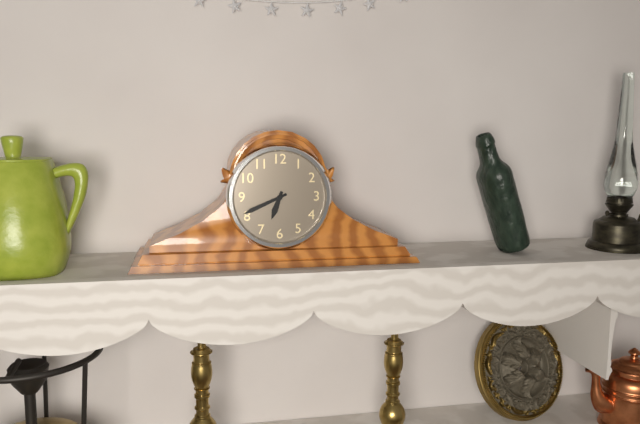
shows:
6,41
